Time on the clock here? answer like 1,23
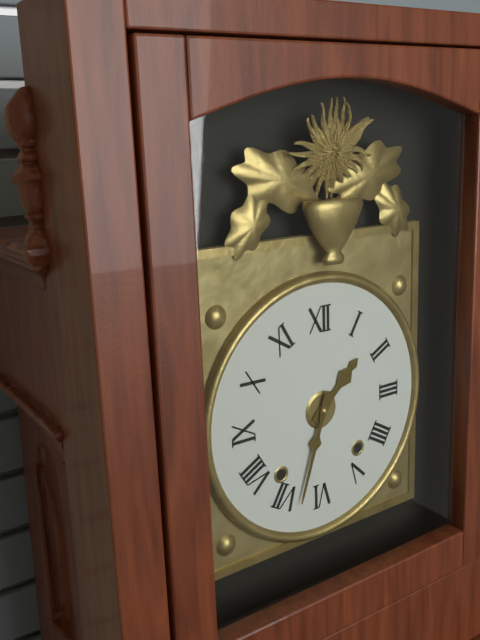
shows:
1,33
